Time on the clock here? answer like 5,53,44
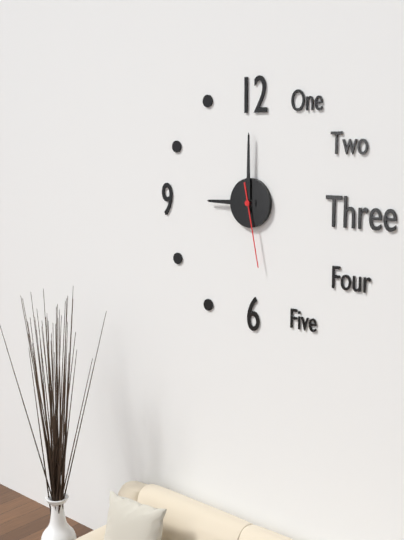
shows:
9,00,28
